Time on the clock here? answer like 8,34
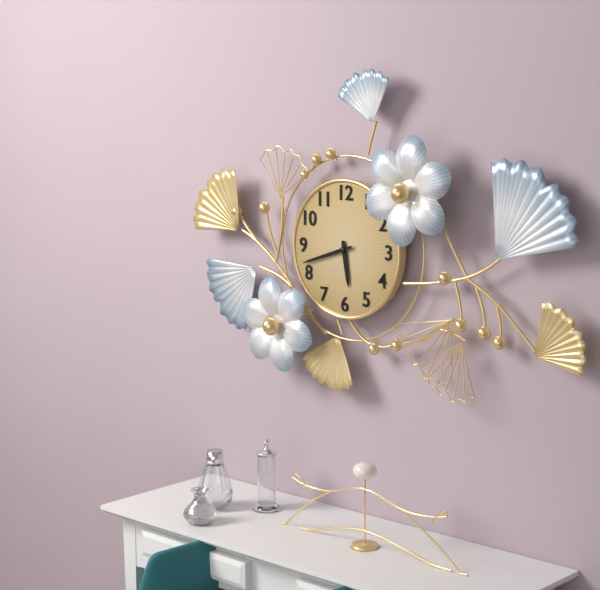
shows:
5,42
